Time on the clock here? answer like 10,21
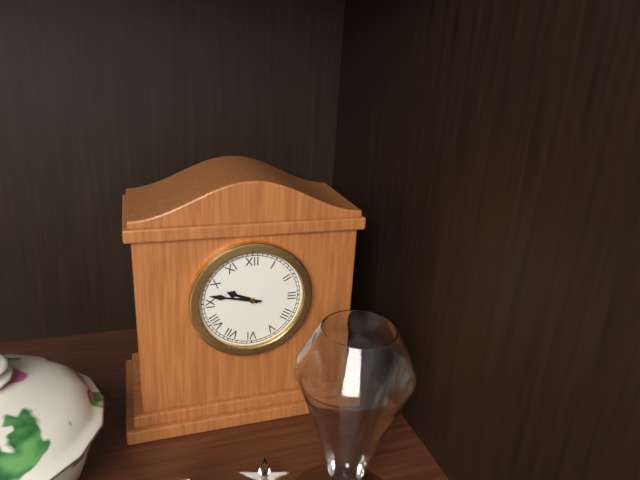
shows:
9,47
